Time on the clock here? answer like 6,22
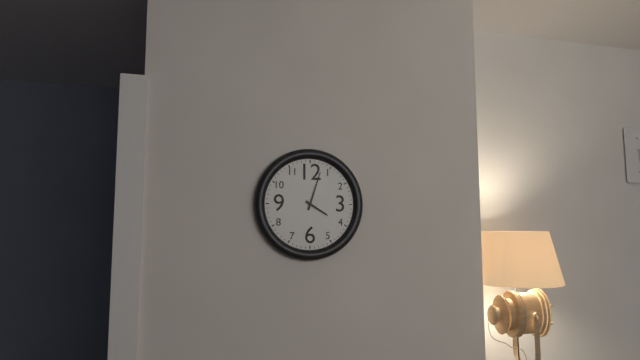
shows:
4,03
